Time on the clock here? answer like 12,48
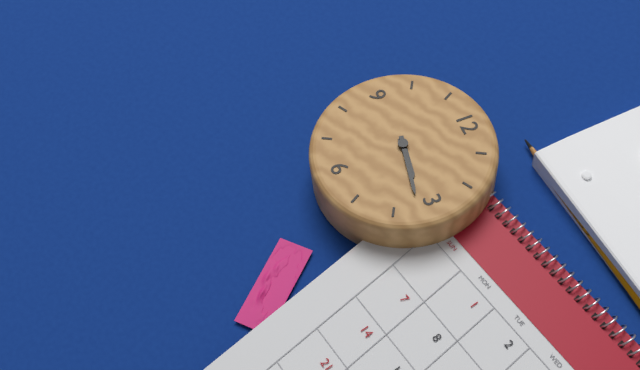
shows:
3,17
